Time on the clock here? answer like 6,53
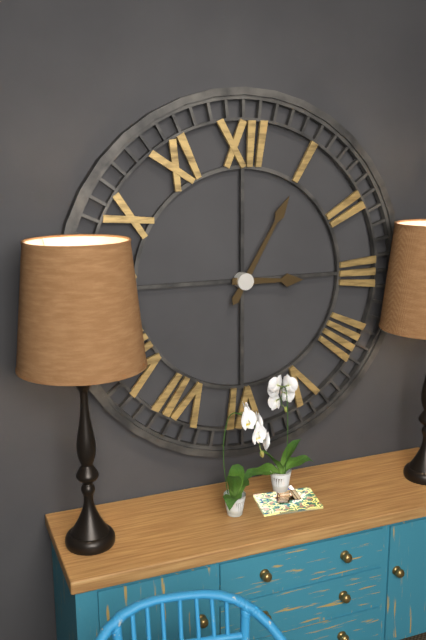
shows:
3,05
